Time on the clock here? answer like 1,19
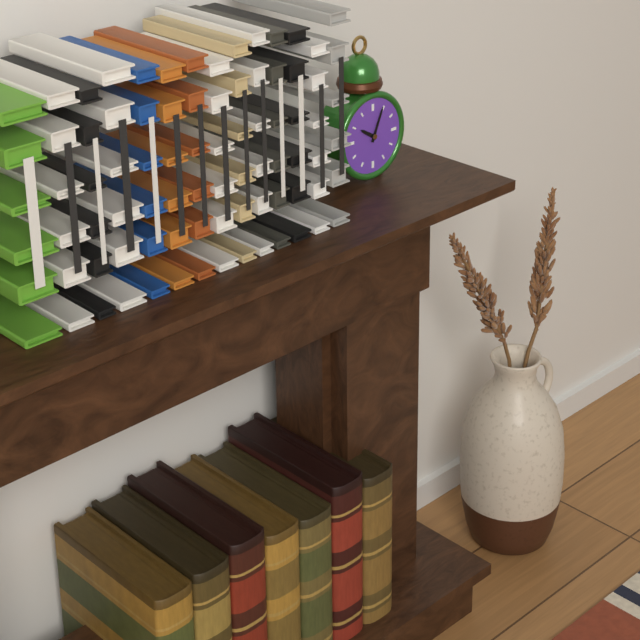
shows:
10,04
